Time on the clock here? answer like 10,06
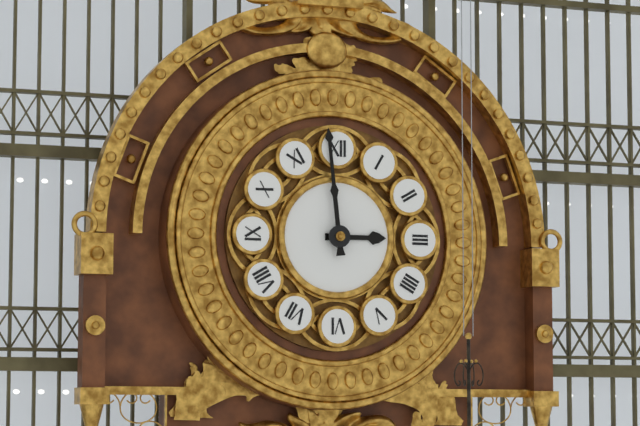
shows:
2,59
